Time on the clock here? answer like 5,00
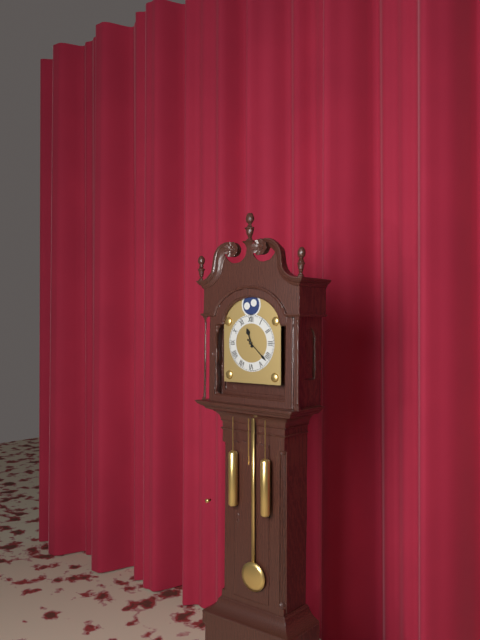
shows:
11,22
